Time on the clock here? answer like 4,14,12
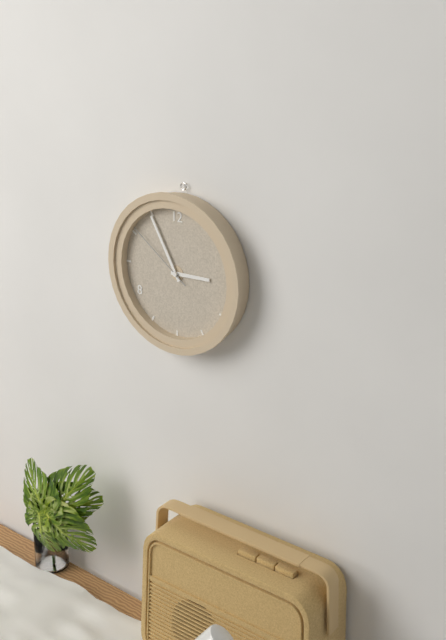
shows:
2,55,51
